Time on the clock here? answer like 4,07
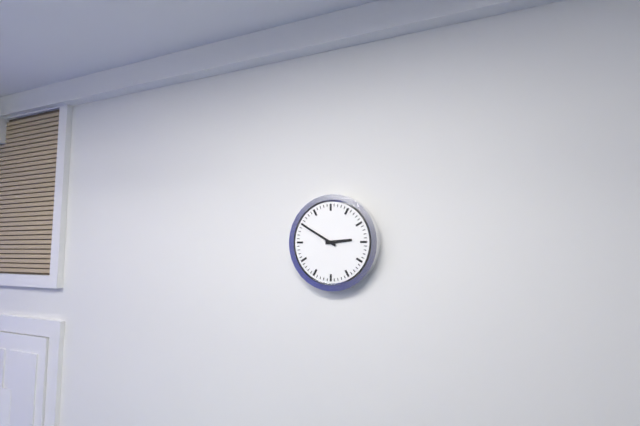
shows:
2,50
